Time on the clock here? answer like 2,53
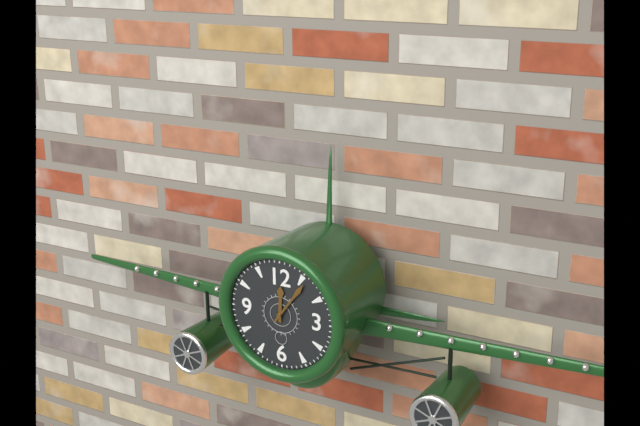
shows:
12,06
